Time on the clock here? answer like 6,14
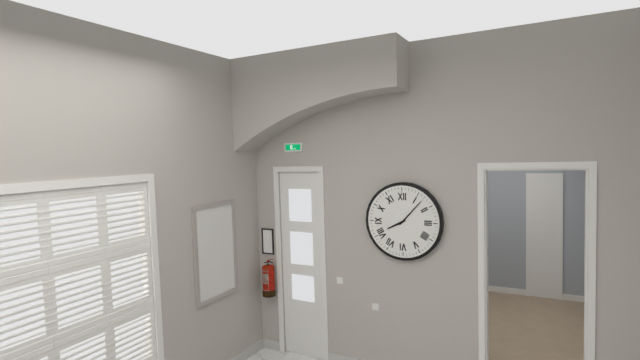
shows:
8,07
